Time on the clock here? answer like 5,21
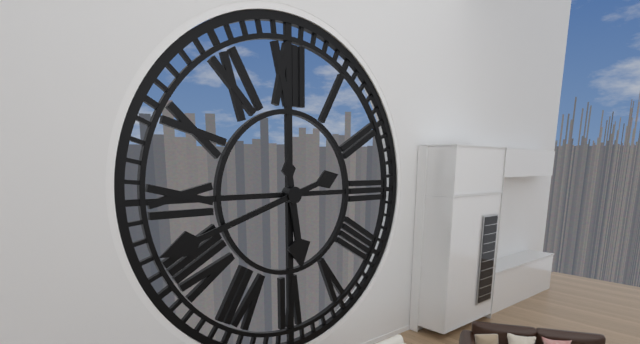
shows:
5,42
